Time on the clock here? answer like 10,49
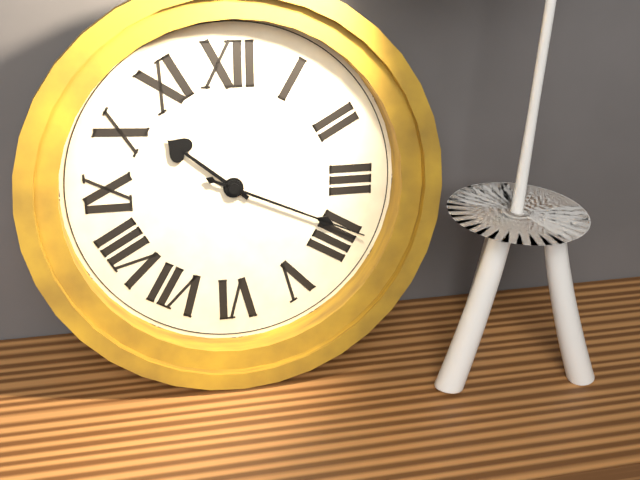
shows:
10,19
